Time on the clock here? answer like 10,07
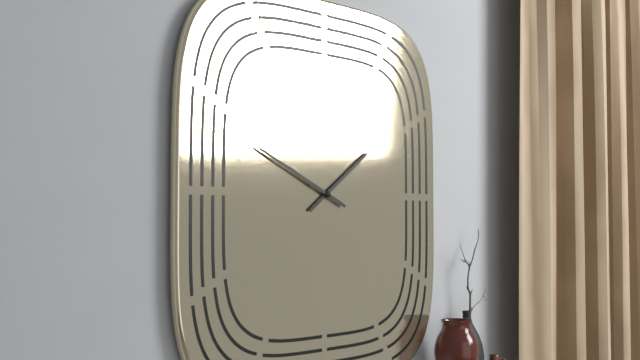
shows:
1,49
